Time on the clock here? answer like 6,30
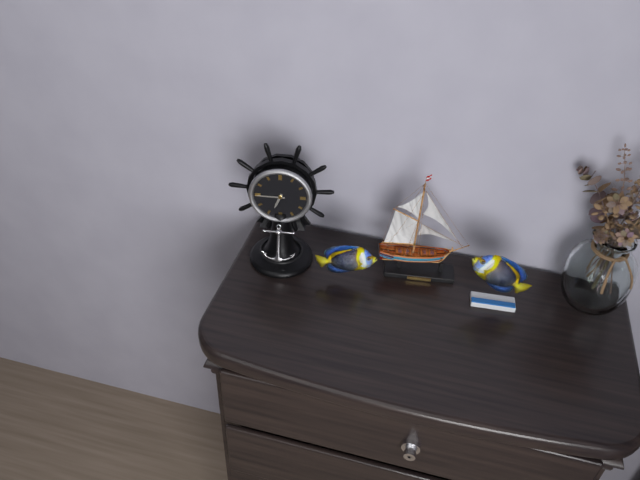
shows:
6,45
